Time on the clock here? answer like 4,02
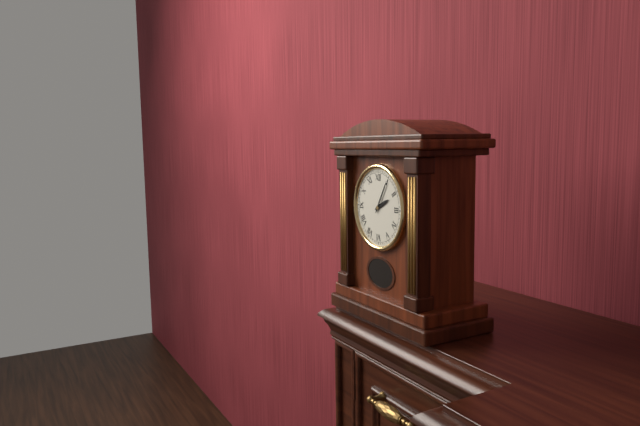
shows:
2,05
